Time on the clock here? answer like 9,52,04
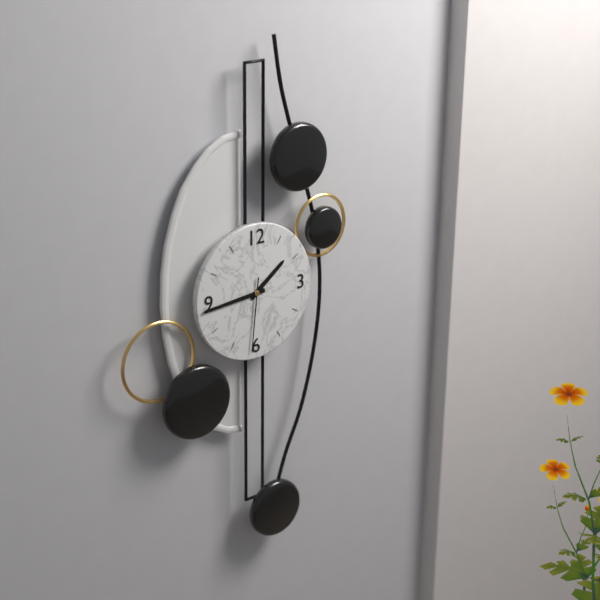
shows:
1,44,31
